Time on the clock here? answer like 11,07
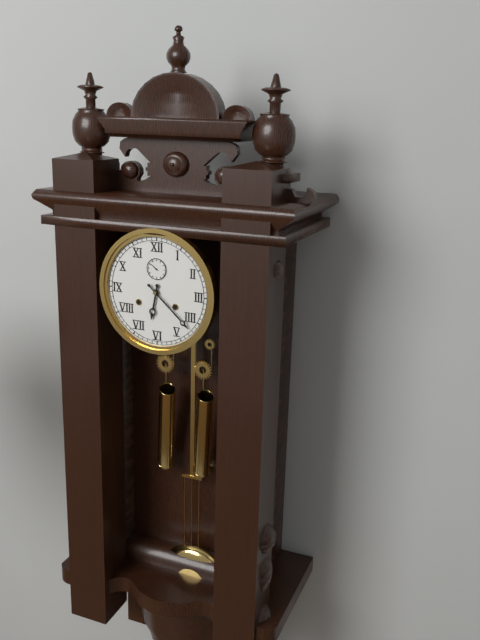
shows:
6,22
